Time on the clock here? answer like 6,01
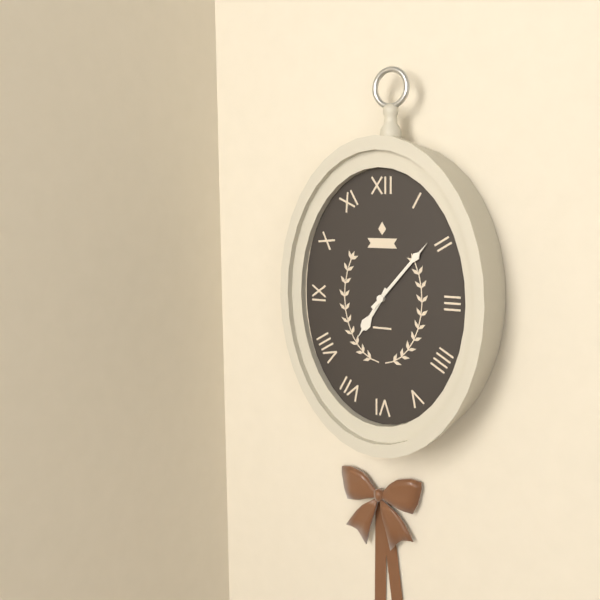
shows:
7,07
